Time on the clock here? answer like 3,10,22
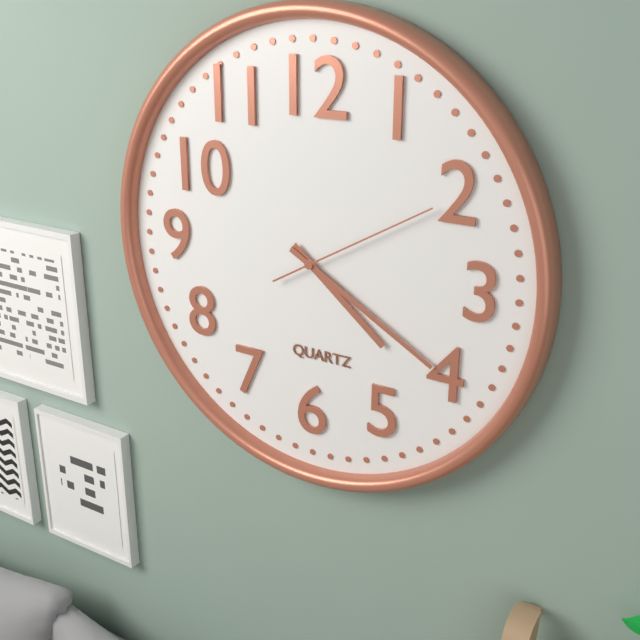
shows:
4,20,10
